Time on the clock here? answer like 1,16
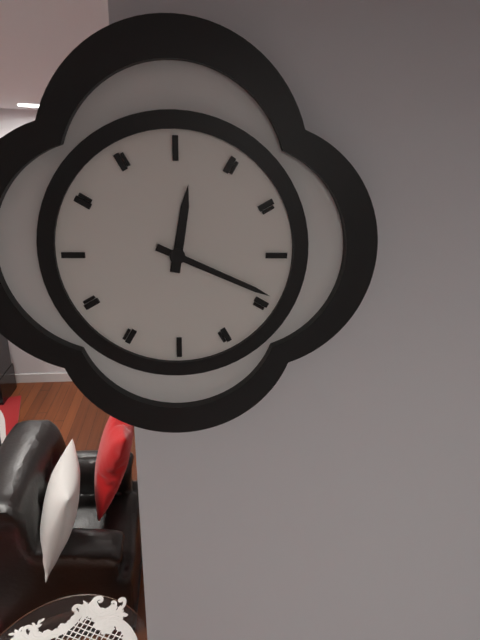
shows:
12,19
